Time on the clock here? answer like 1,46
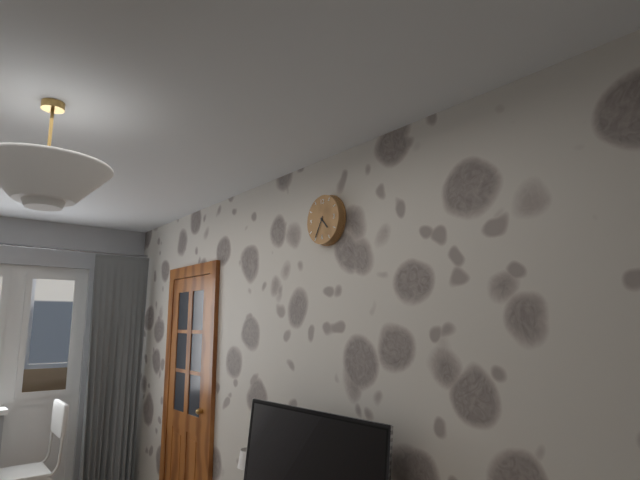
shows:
4,35
